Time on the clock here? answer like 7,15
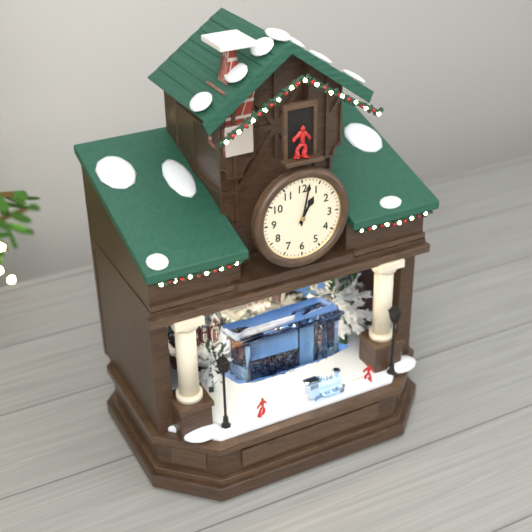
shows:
1,02
